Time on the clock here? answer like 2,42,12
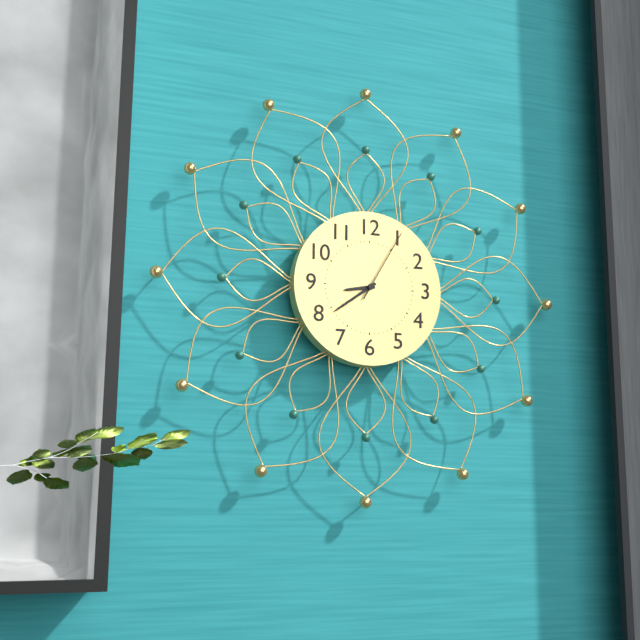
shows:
8,39,05
